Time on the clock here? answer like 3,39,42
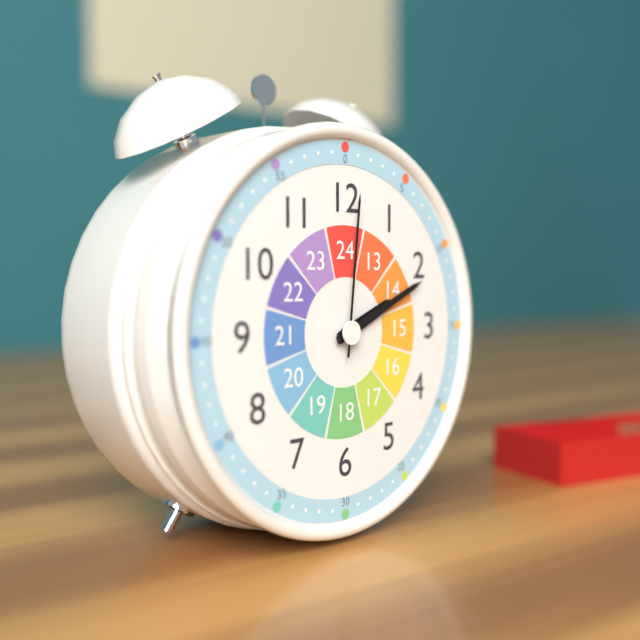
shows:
2,11,01
